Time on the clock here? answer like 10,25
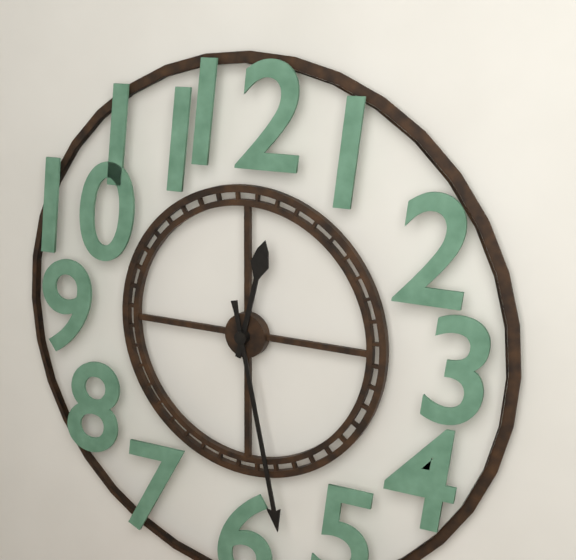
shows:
12,28
